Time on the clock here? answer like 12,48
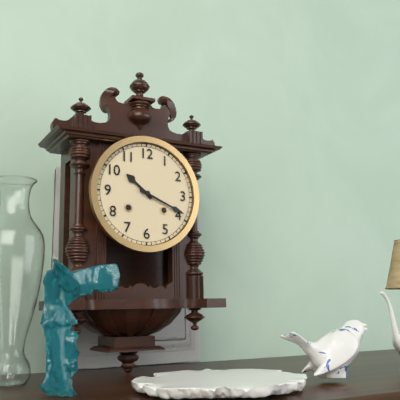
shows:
10,19
